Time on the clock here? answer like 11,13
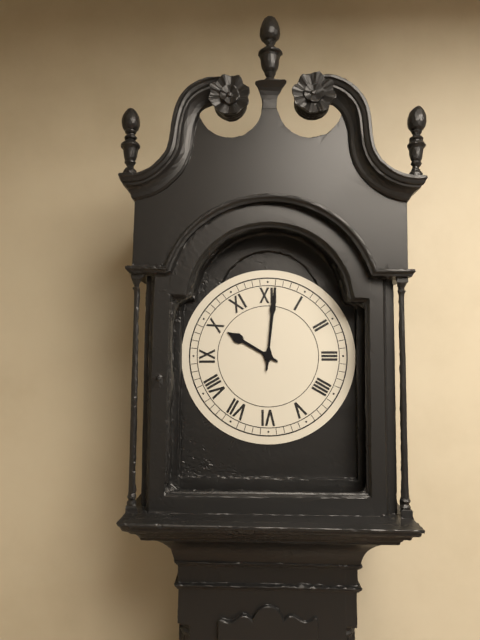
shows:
10,01
